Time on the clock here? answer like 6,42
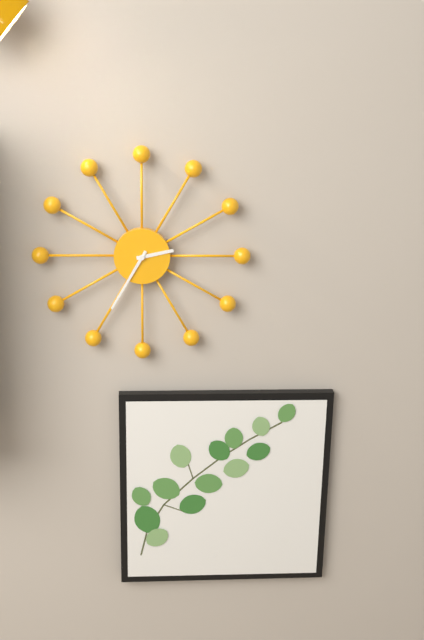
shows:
2,35
